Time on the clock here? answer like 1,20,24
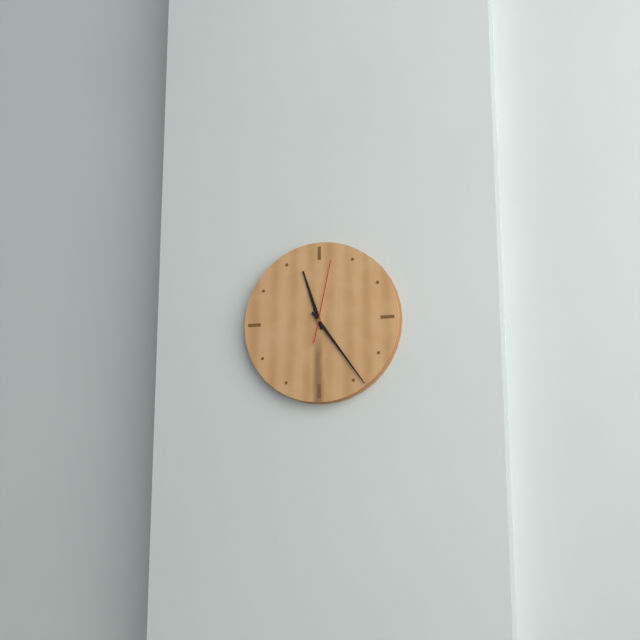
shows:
11,24,02
